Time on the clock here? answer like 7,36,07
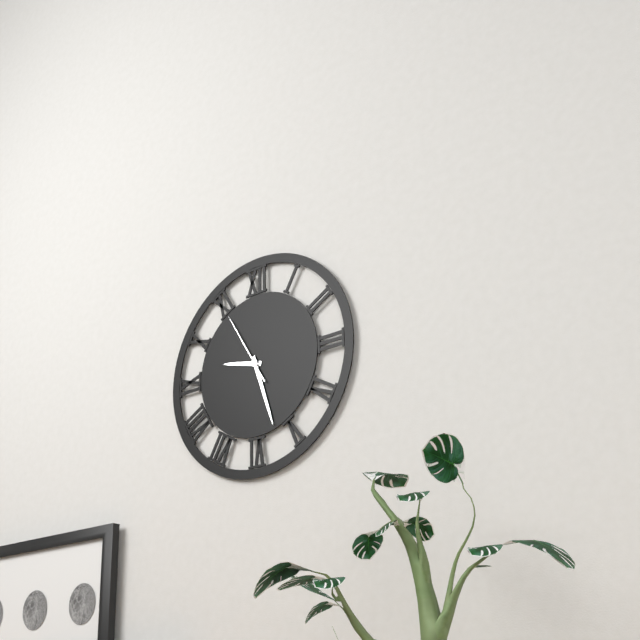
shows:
9,27,55
